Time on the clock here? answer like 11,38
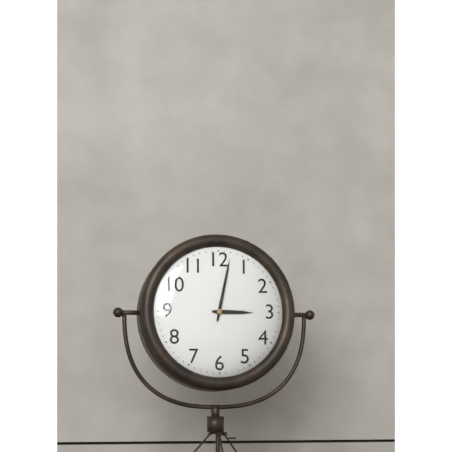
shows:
3,02
